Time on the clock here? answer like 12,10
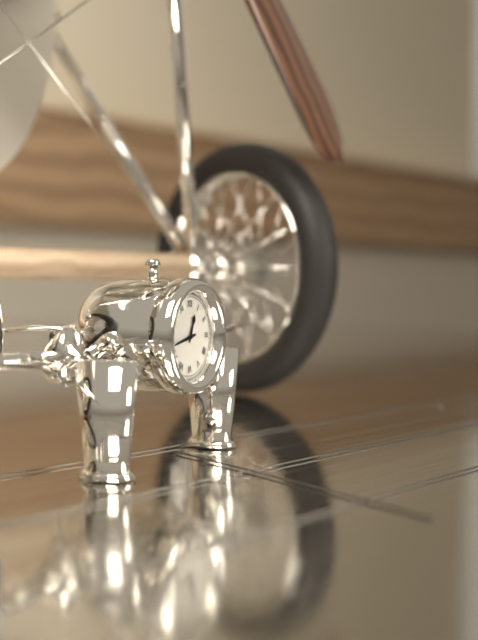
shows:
12,43
